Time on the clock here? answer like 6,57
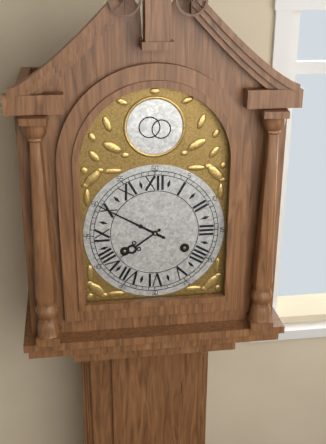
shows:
7,50
